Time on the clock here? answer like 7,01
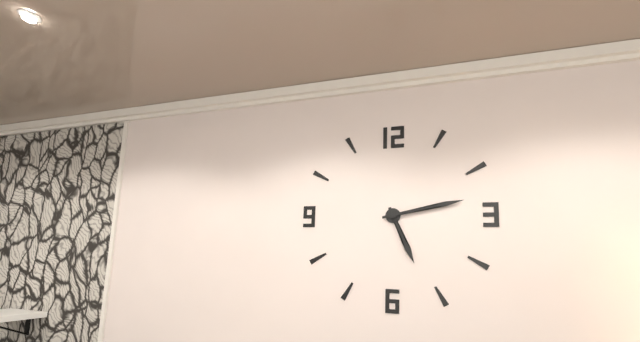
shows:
5,13
